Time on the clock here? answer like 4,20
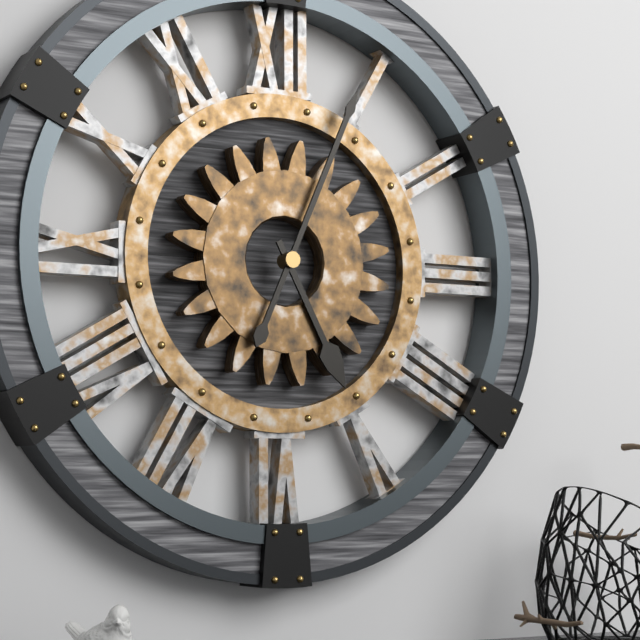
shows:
5,04
